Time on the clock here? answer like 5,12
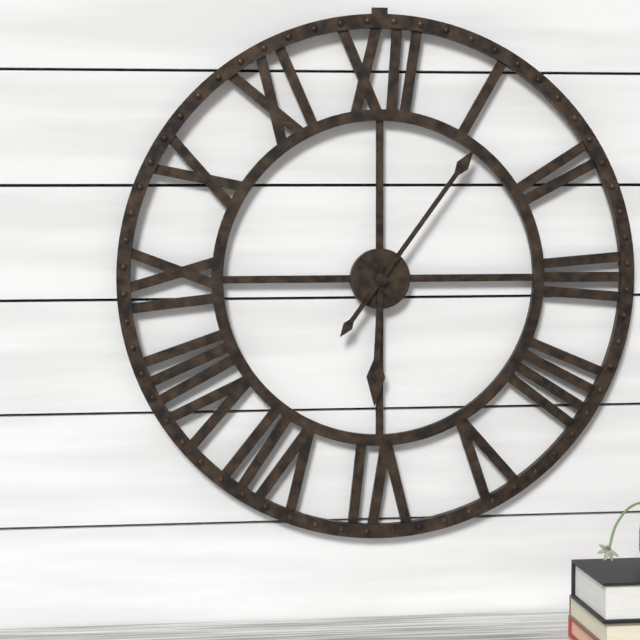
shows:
6,06
